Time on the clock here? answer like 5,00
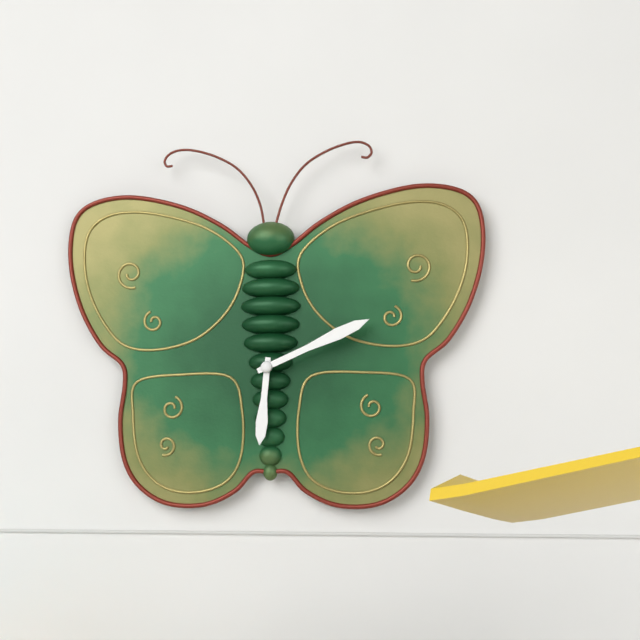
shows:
6,11
